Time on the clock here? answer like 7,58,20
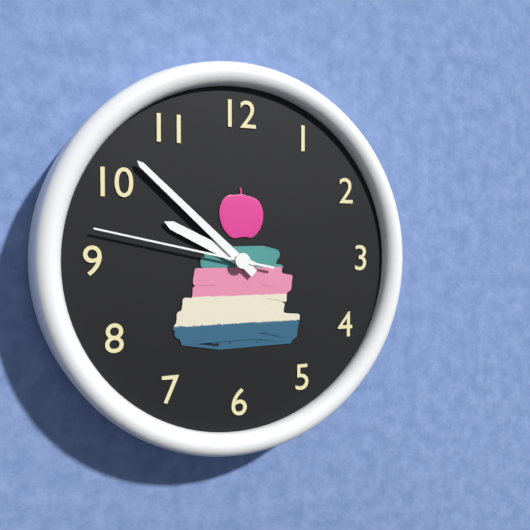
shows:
9,52,47
